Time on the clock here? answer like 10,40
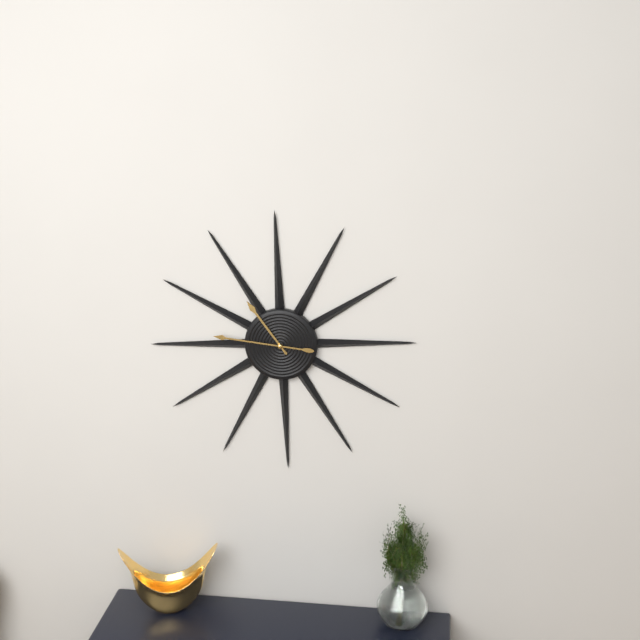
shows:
10,46
